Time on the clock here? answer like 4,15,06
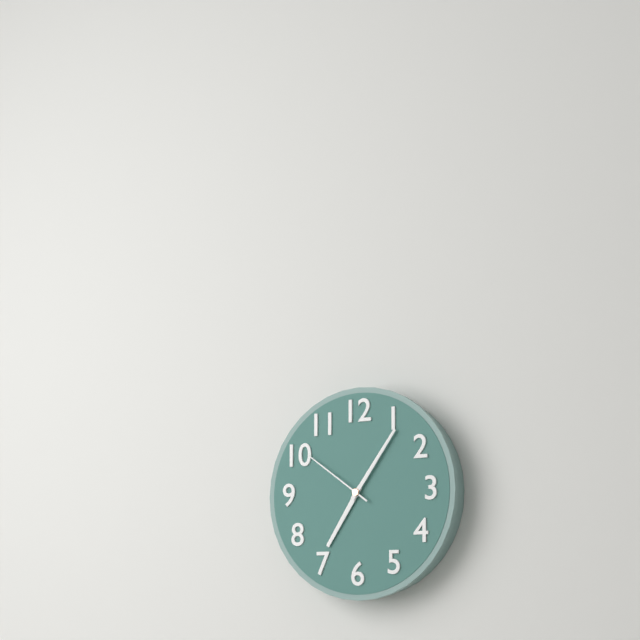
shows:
7,06,51
